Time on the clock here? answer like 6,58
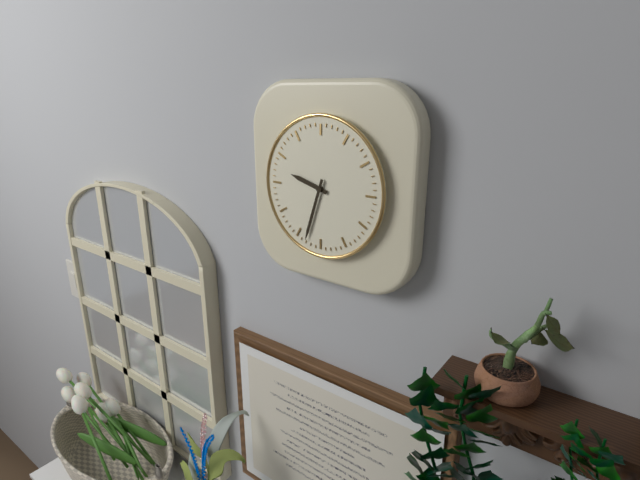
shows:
9,33
